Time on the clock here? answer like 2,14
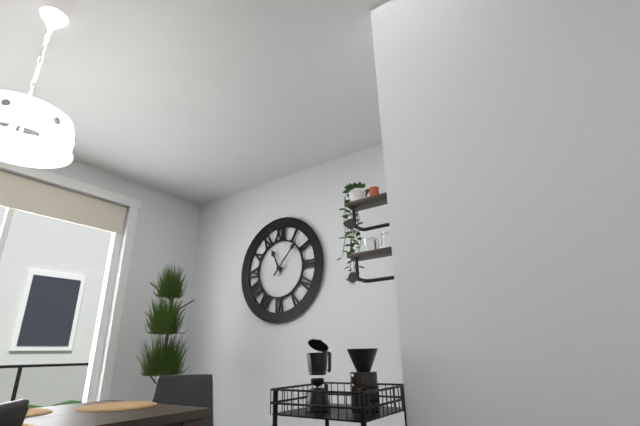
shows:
11,07
